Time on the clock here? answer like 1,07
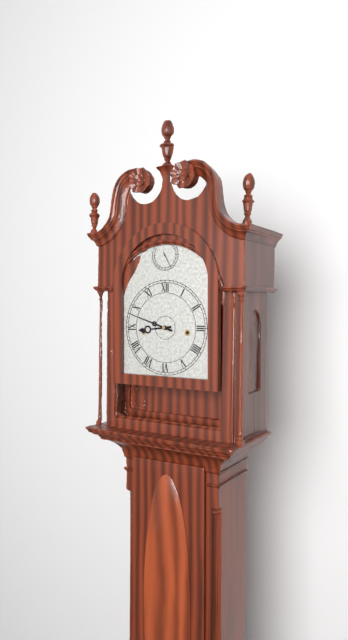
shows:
8,48
